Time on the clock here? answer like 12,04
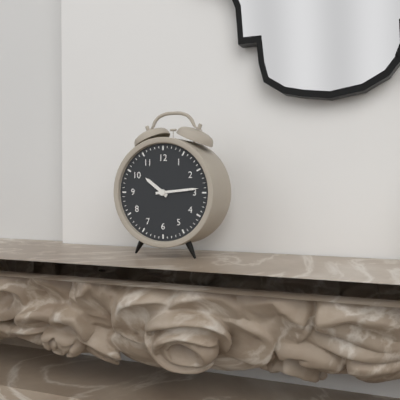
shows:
10,14
